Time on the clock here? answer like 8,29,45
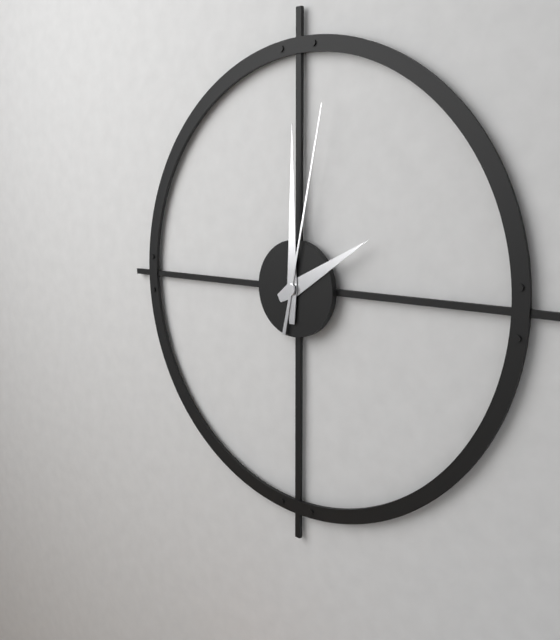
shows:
2,00,02
